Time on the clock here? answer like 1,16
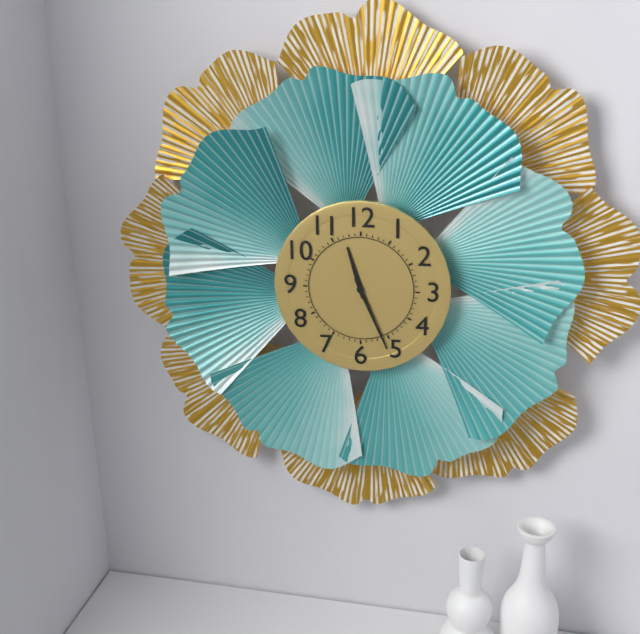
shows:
11,26
